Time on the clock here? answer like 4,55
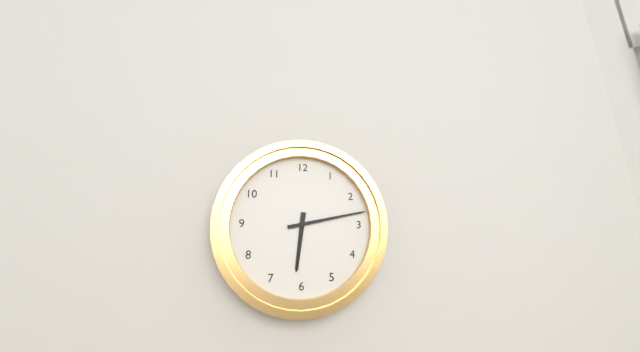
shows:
6,13
